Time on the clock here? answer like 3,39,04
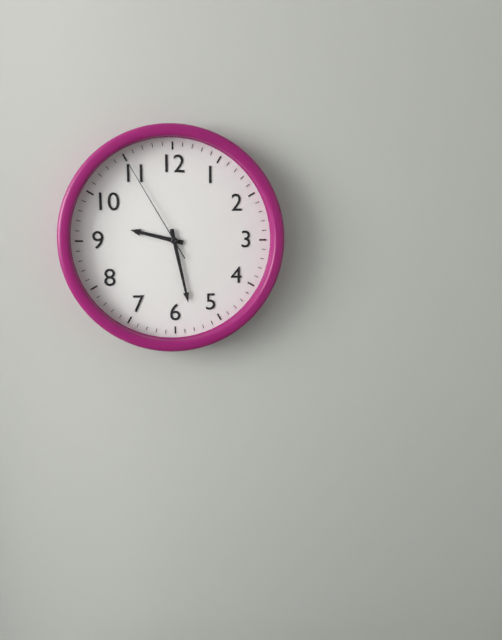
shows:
9,28,55
